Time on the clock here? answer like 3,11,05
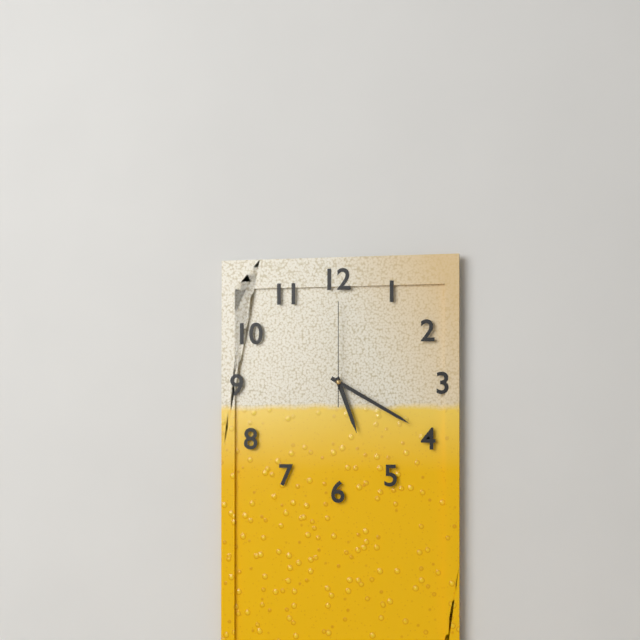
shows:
5,20,00
